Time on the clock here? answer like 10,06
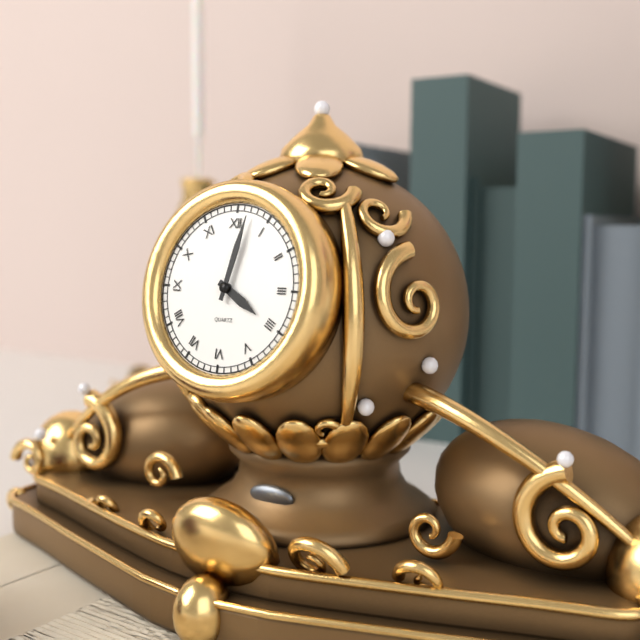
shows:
4,02
